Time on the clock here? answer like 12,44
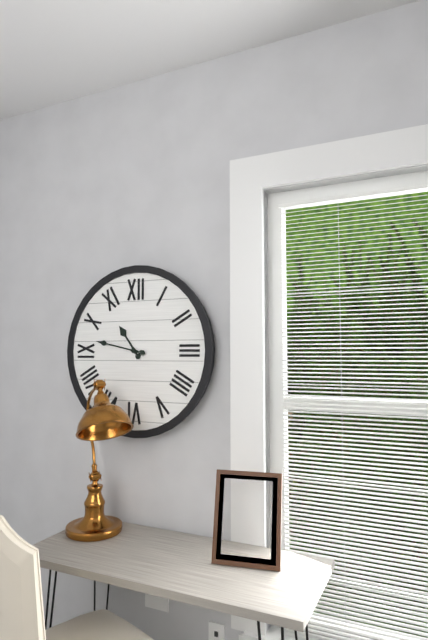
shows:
10,47
